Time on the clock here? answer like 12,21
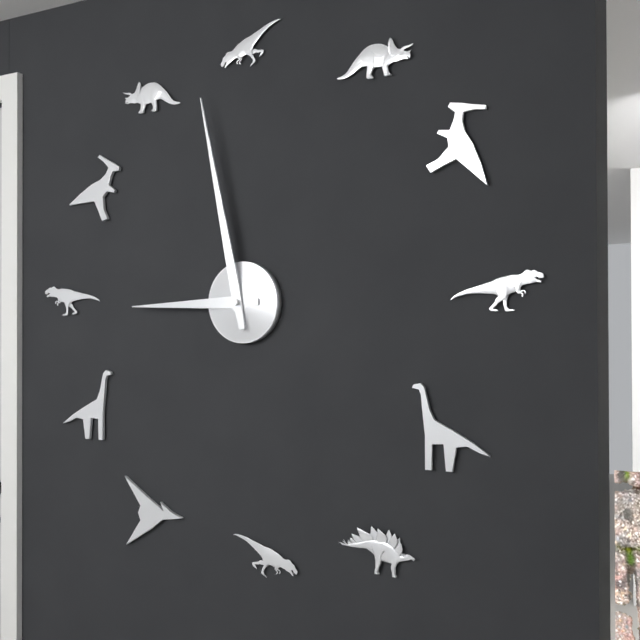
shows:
8,58
